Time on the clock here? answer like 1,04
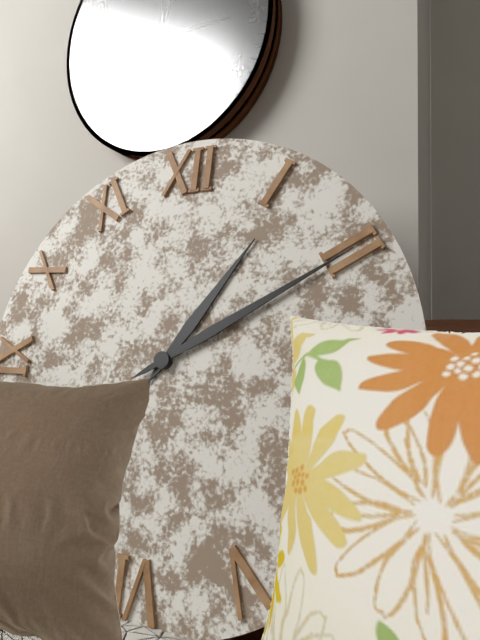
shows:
1,10
